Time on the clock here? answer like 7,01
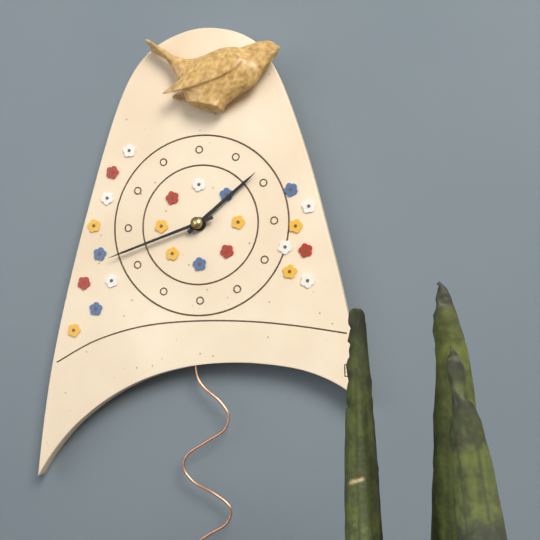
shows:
1,42
